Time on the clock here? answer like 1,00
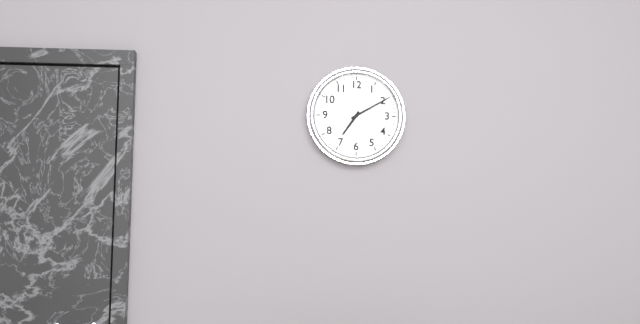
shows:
7,10
